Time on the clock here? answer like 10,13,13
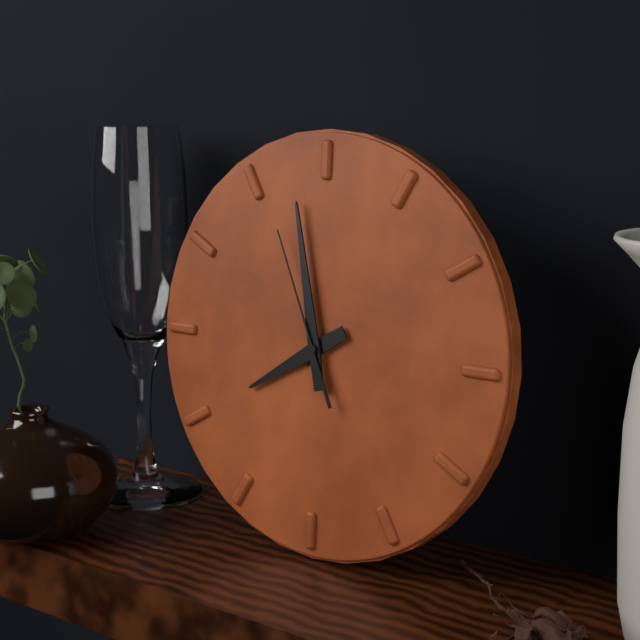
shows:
7,58,56
